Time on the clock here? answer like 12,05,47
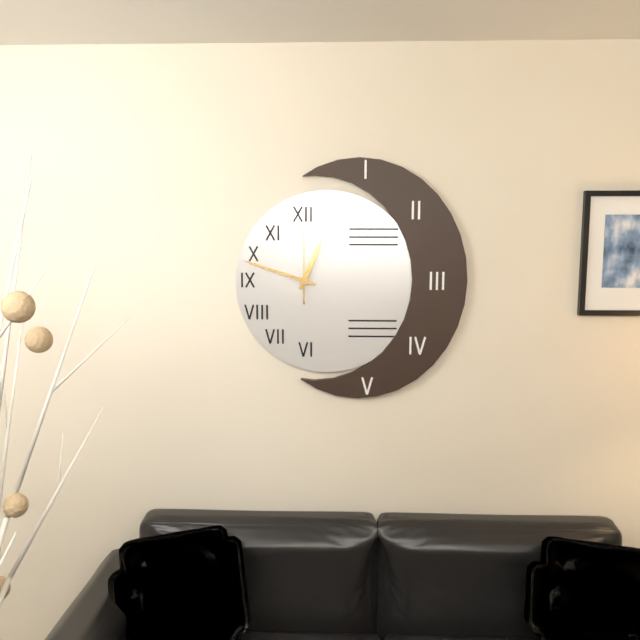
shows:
12,48,00
